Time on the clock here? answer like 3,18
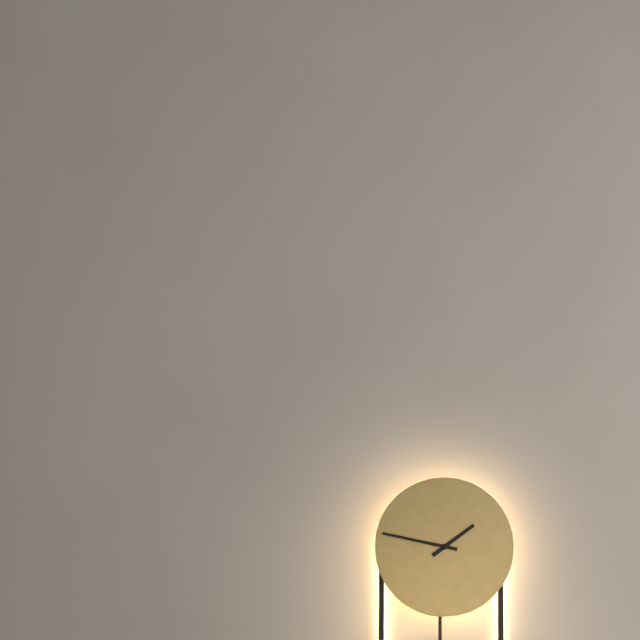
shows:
1,47
